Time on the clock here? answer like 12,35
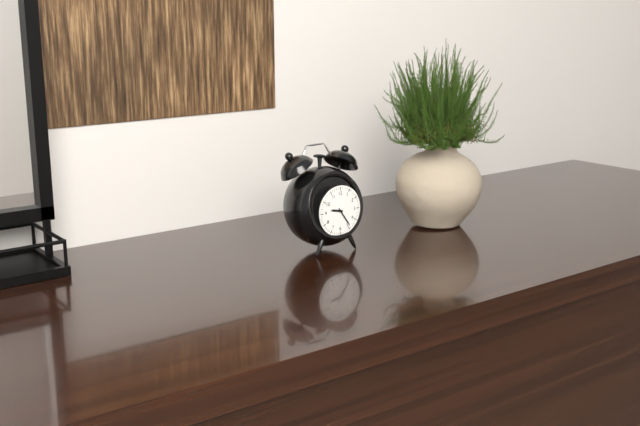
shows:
9,24
